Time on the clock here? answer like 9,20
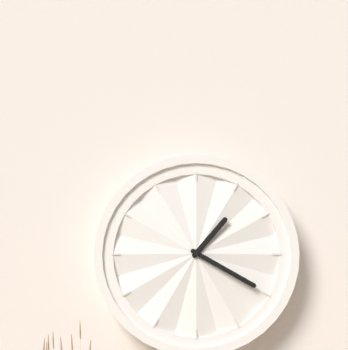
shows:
1,20
